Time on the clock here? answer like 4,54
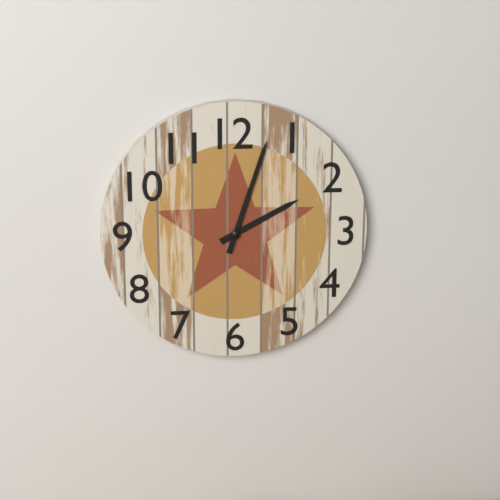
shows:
2,03
